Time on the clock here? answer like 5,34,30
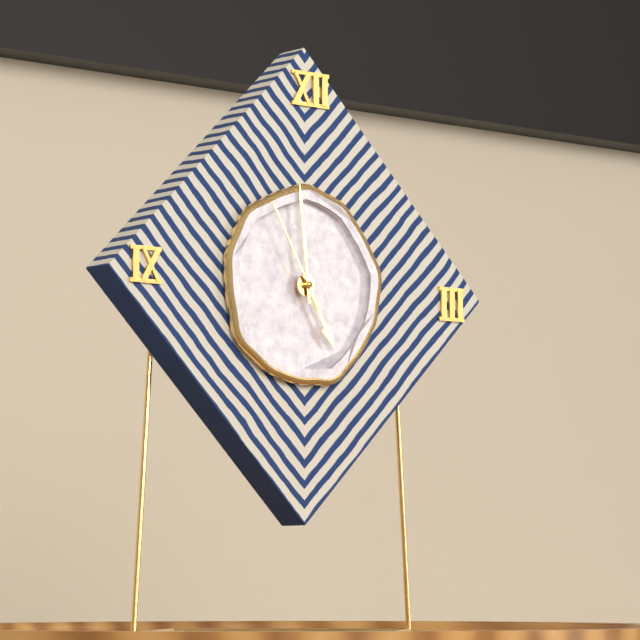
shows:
4,59,55
